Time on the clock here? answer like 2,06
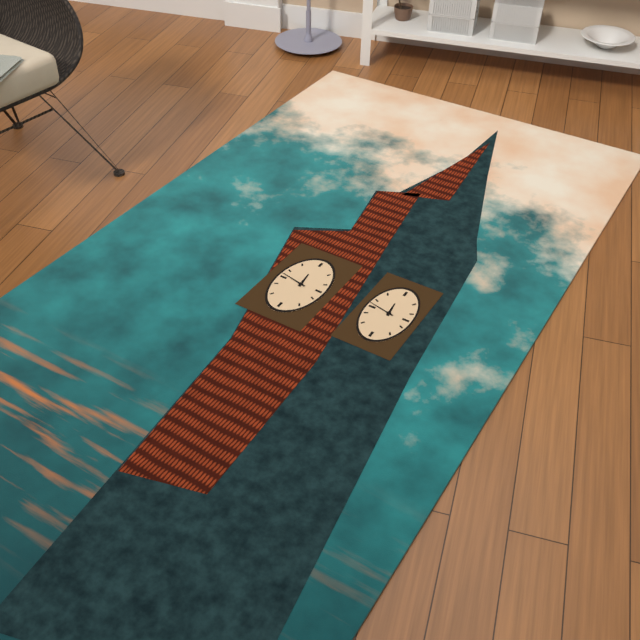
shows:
11,47
